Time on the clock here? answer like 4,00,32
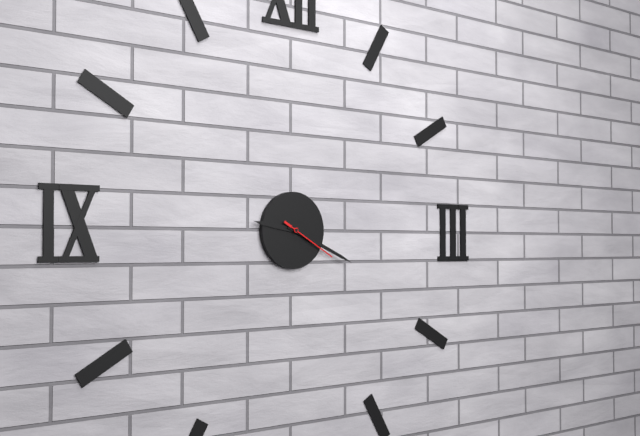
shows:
9,19,20
